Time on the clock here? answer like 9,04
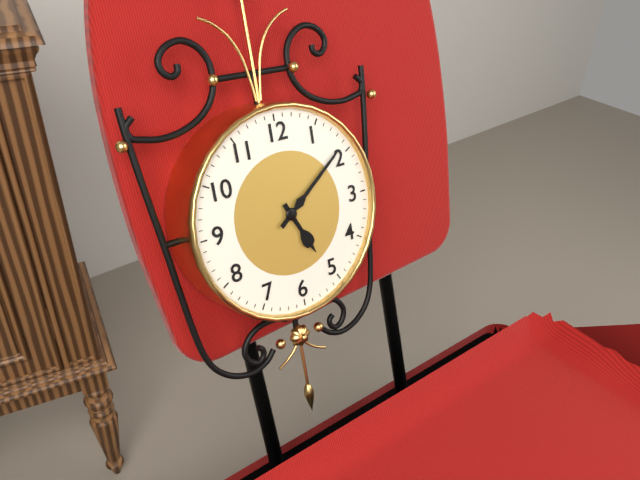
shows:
5,09
